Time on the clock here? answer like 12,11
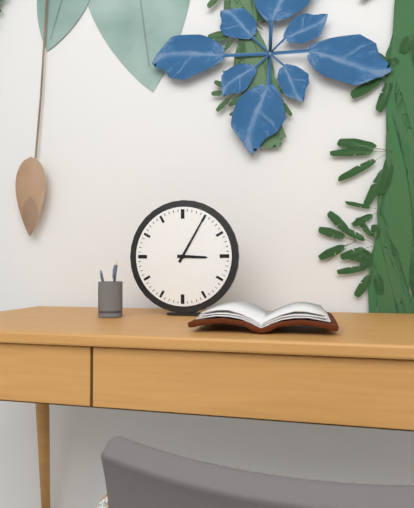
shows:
3,05
